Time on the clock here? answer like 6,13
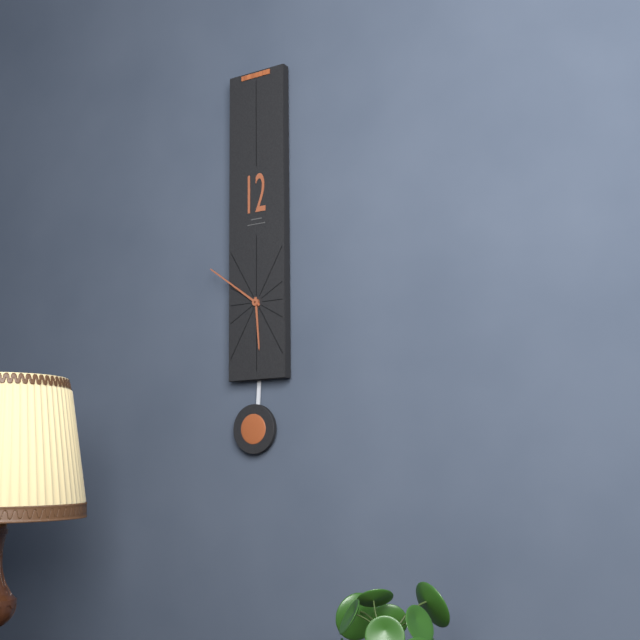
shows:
5,51
